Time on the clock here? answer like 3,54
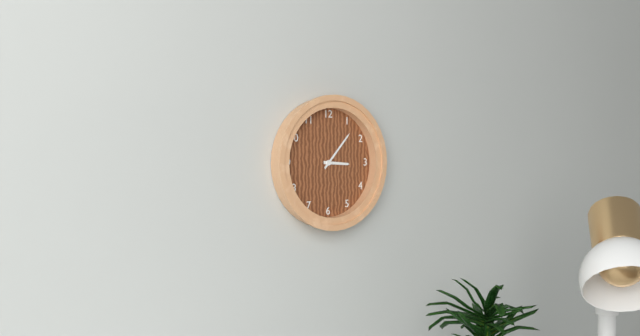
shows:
3,07
